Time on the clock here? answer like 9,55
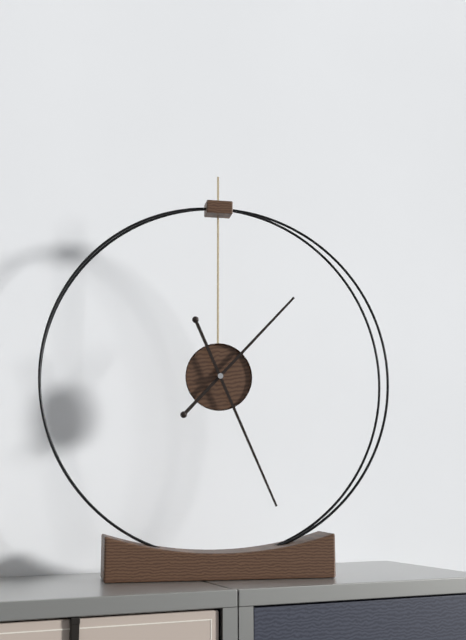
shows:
1,26
